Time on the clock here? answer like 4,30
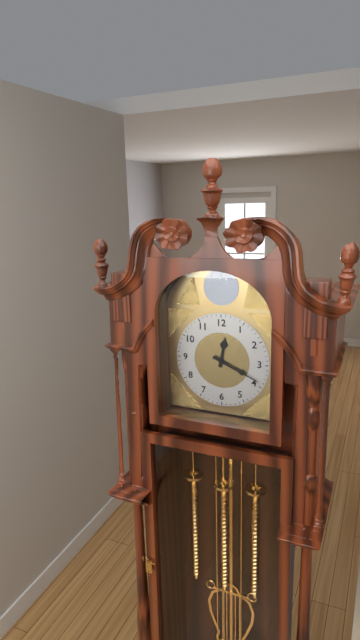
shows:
12,19
